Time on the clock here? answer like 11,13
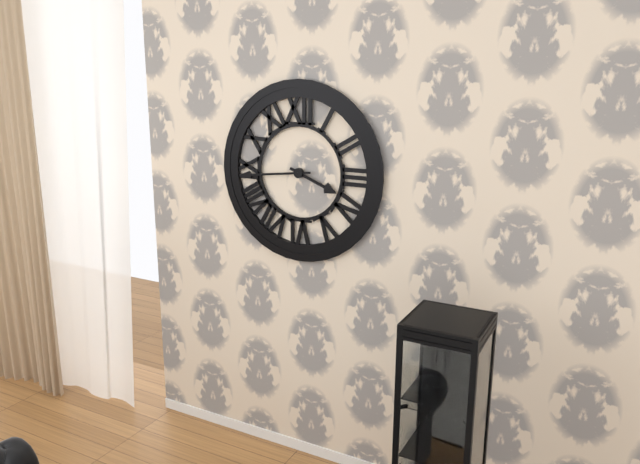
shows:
3,44
